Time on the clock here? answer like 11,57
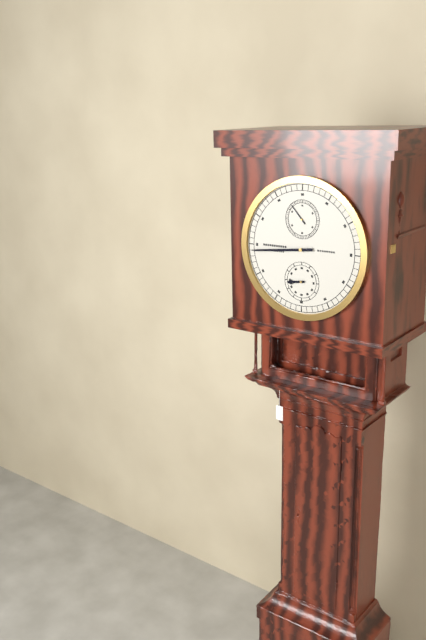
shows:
8,44
